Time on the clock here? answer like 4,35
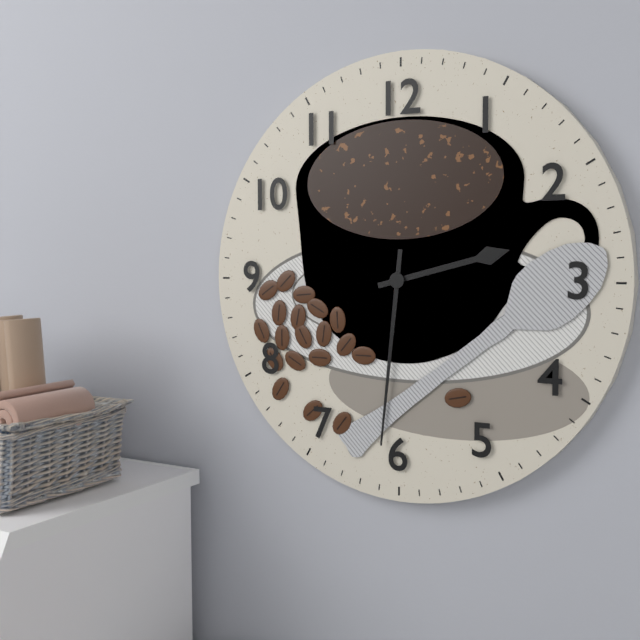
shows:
2,31
